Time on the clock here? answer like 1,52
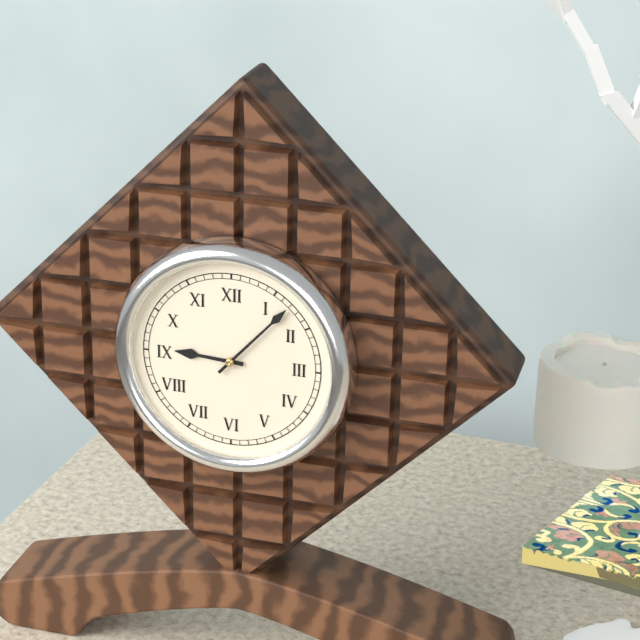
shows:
9,07
